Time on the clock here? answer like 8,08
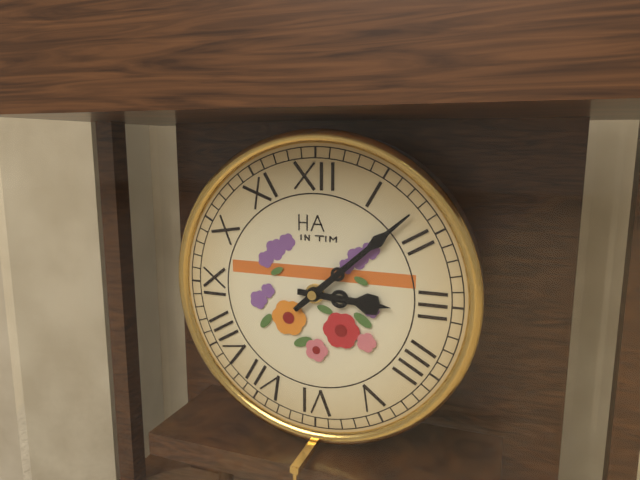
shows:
3,08
